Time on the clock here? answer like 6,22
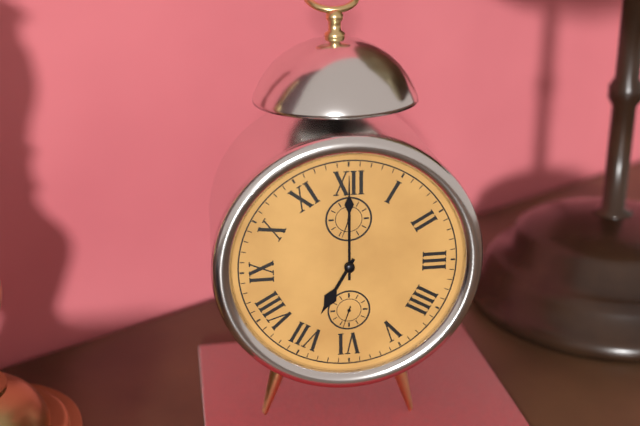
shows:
7,00
